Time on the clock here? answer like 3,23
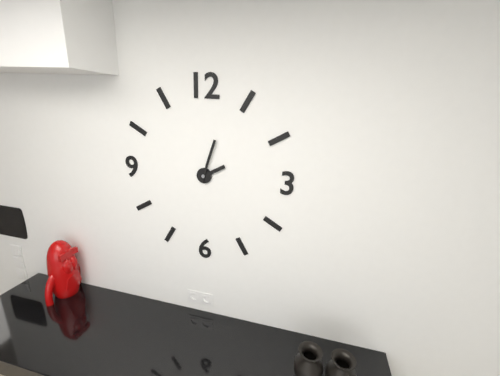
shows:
2,03
